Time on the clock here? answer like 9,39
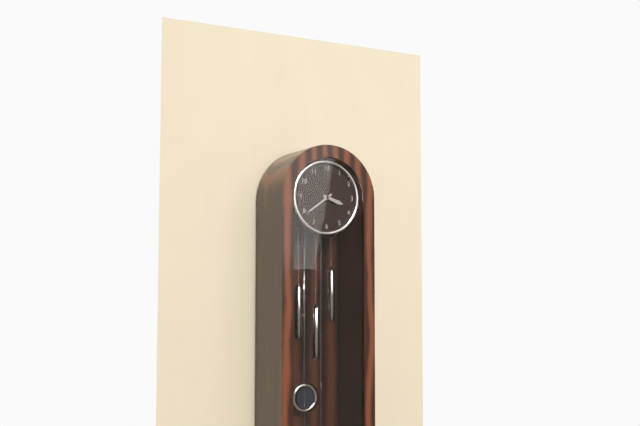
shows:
3,39
